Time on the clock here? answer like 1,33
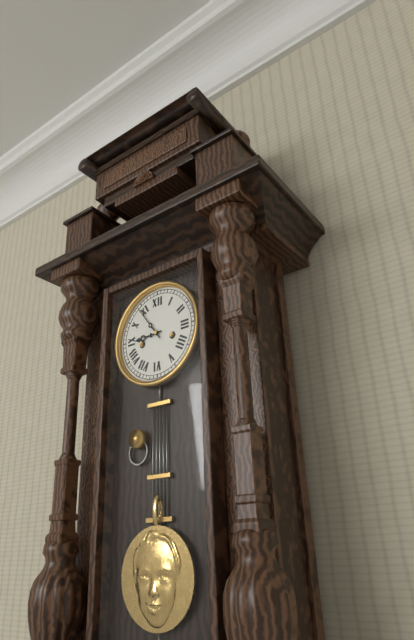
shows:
8,54
